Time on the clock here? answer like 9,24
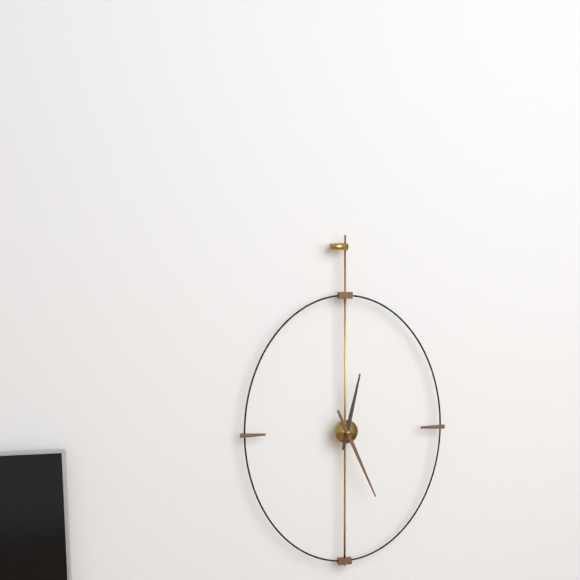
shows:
12,26
